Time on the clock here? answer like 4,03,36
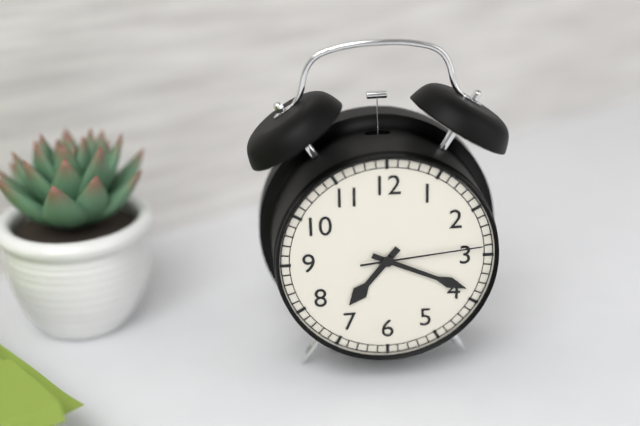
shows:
7,19,14
